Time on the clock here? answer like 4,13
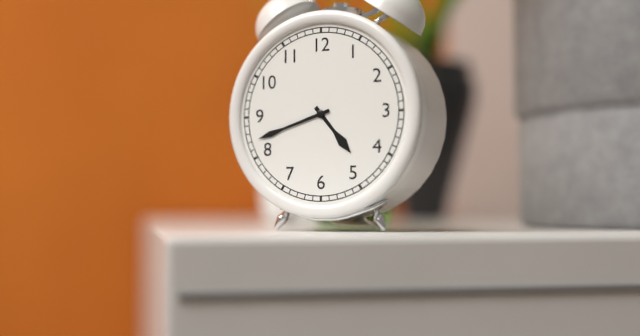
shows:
4,42
